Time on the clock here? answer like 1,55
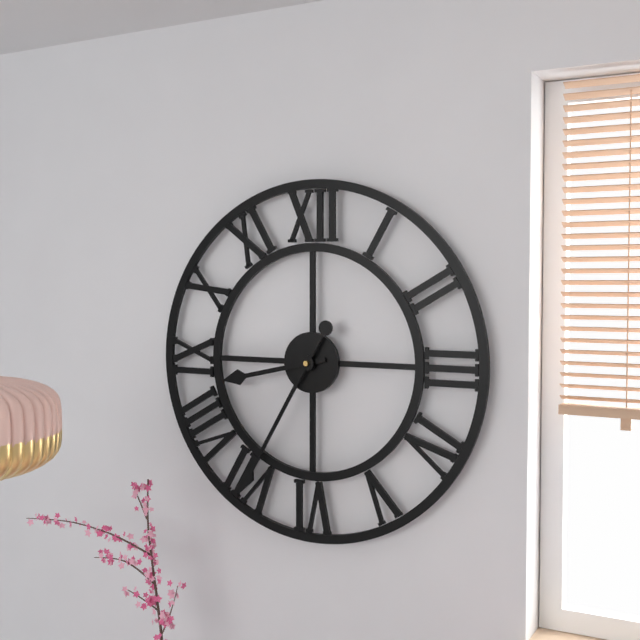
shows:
8,35
